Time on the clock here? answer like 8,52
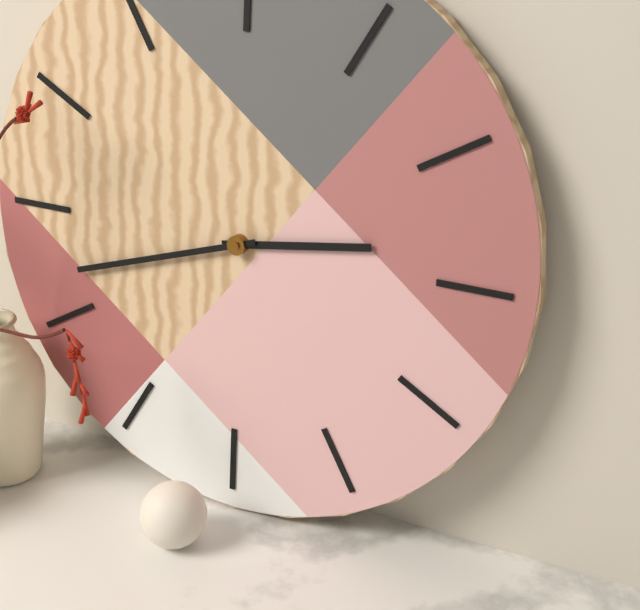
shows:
2,42
